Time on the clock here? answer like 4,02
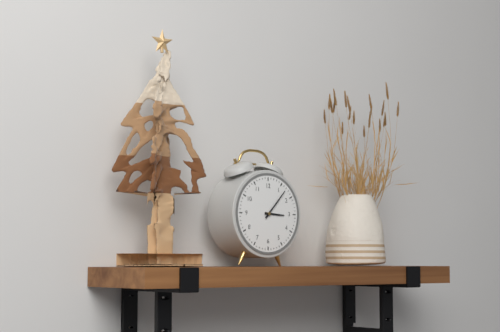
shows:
3,07
